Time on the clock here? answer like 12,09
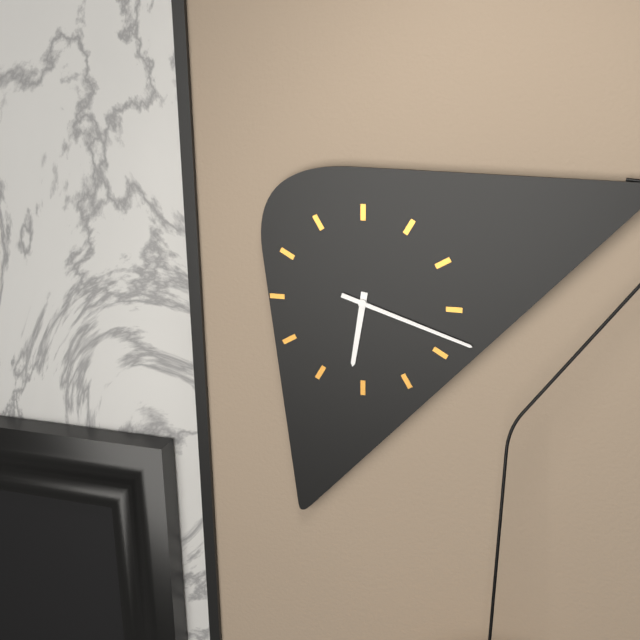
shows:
6,18
